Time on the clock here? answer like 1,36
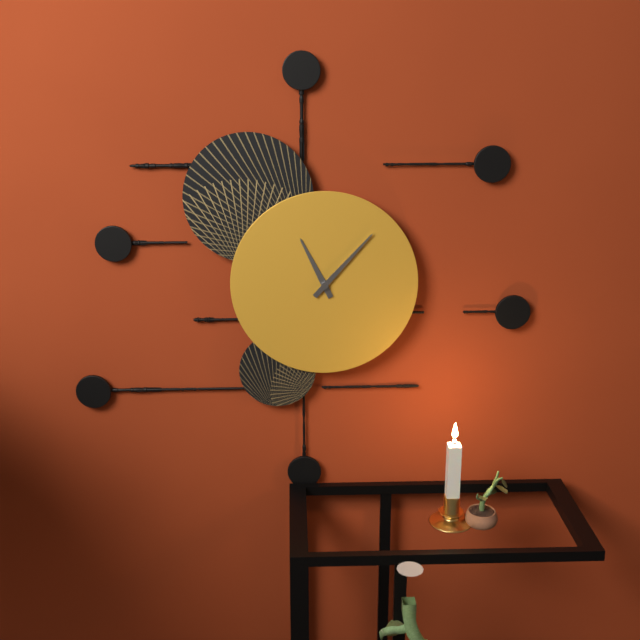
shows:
11,07
